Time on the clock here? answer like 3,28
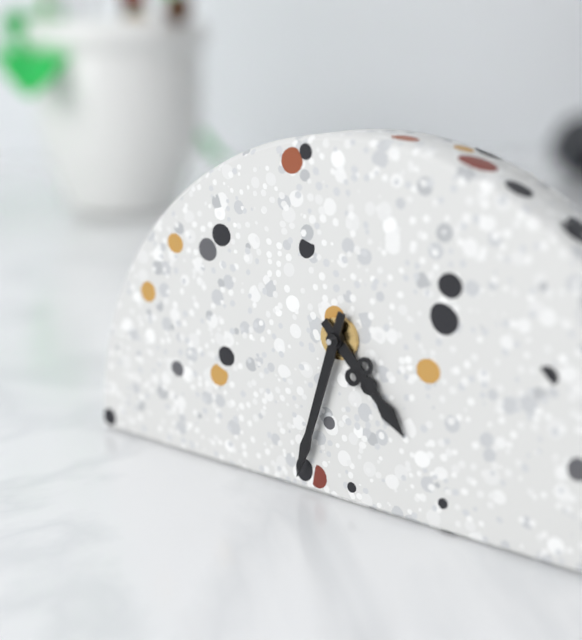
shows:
4,33
